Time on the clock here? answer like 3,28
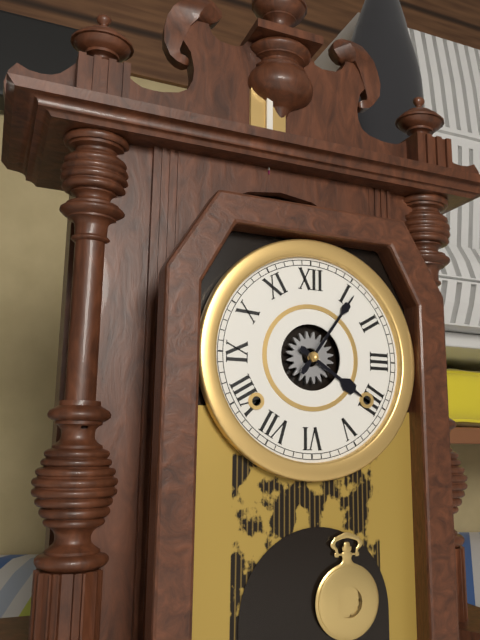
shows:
4,06
